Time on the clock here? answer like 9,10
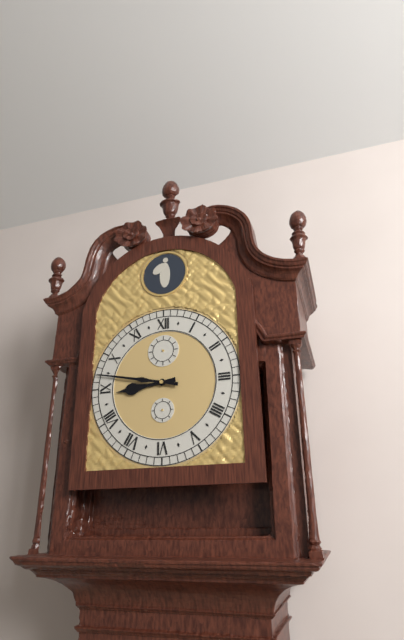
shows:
8,47
